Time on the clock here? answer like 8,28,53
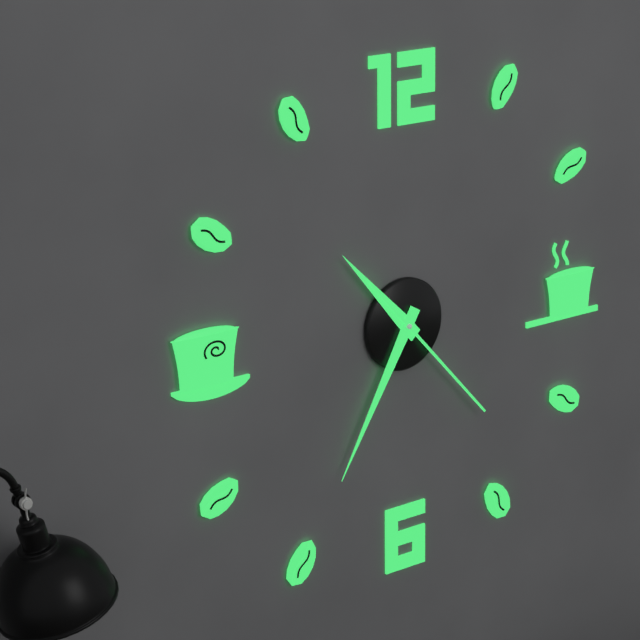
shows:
10,35,23
